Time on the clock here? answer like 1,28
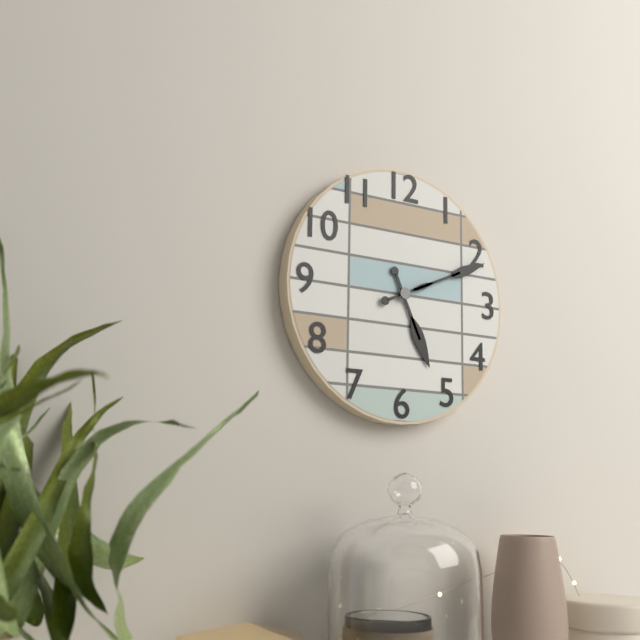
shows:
5,11
